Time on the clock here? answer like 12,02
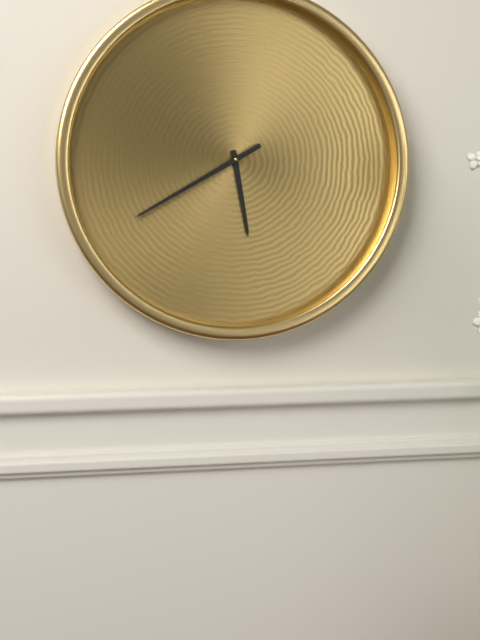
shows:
5,40
